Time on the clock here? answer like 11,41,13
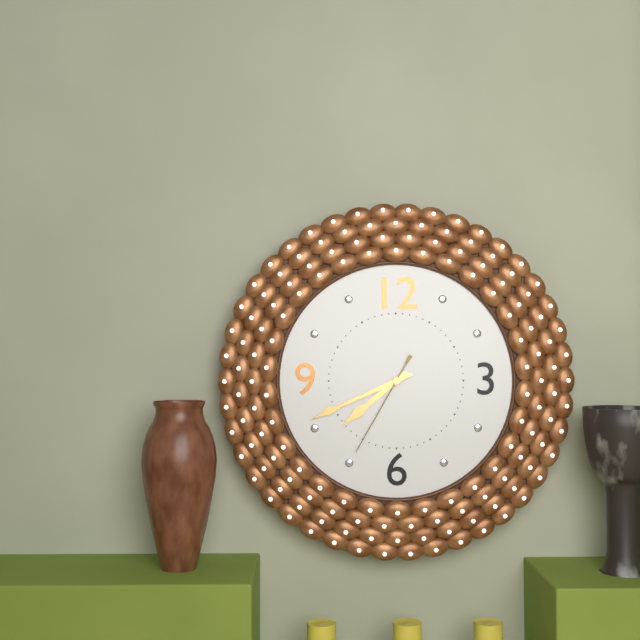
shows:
7,41,35
